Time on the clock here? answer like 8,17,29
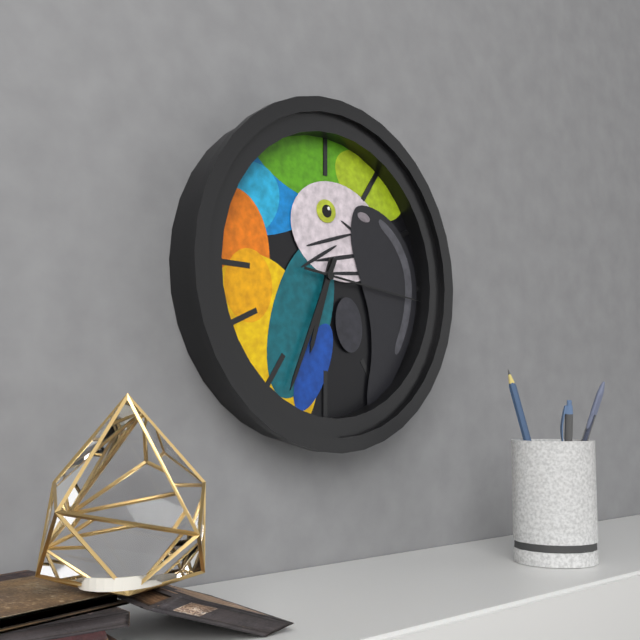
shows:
6,34,16
